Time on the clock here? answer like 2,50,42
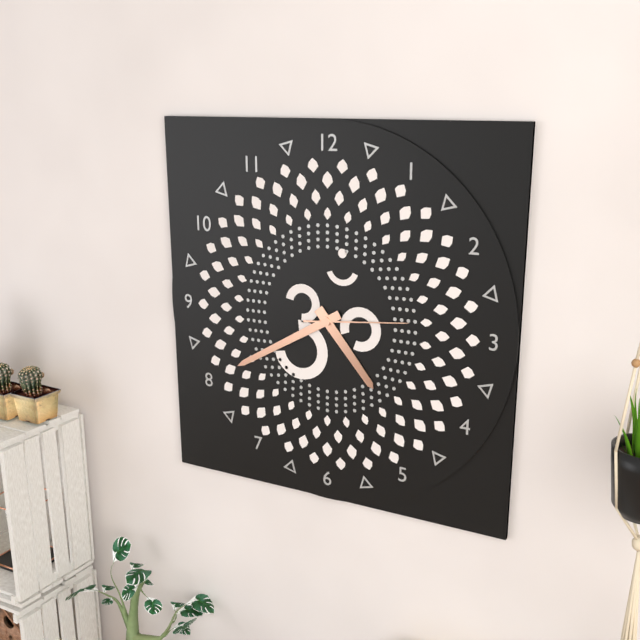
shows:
4,40,14
